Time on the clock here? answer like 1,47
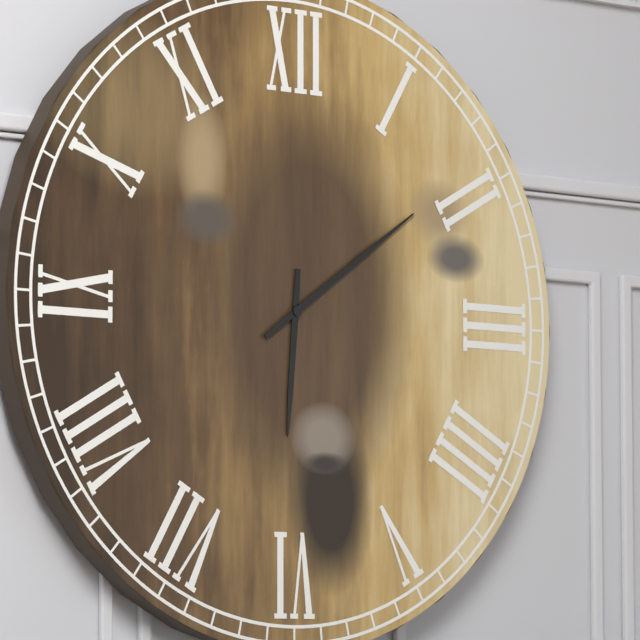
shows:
6,09
